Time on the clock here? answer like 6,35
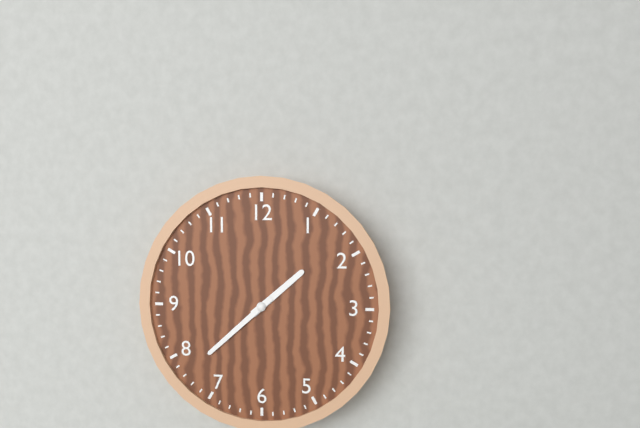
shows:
1,38
